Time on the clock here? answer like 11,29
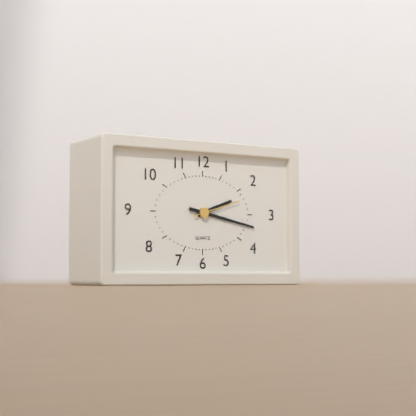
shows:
2,17
